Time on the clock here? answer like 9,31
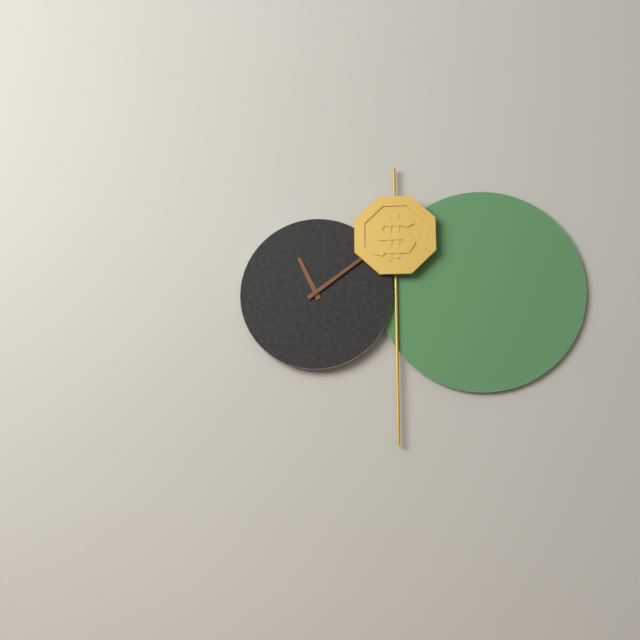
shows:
11,09
